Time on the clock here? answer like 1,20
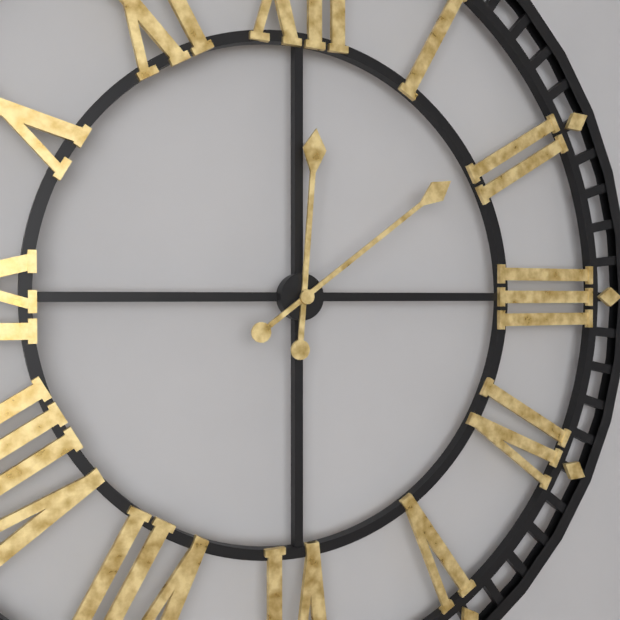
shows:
12,09
